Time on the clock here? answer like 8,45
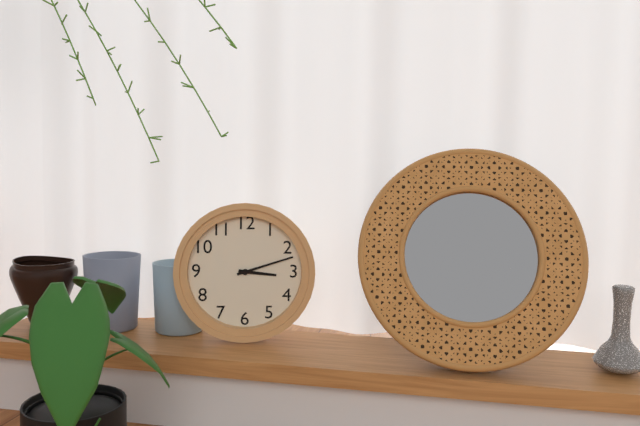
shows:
3,12
